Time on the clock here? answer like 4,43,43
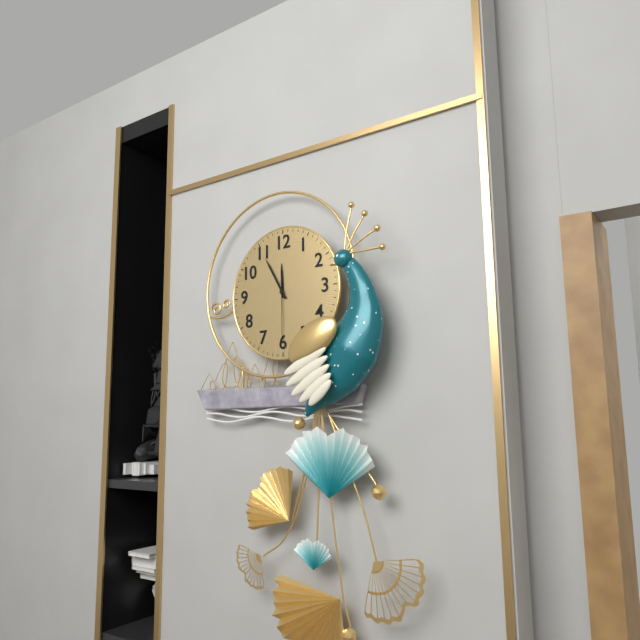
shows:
11,55,30
